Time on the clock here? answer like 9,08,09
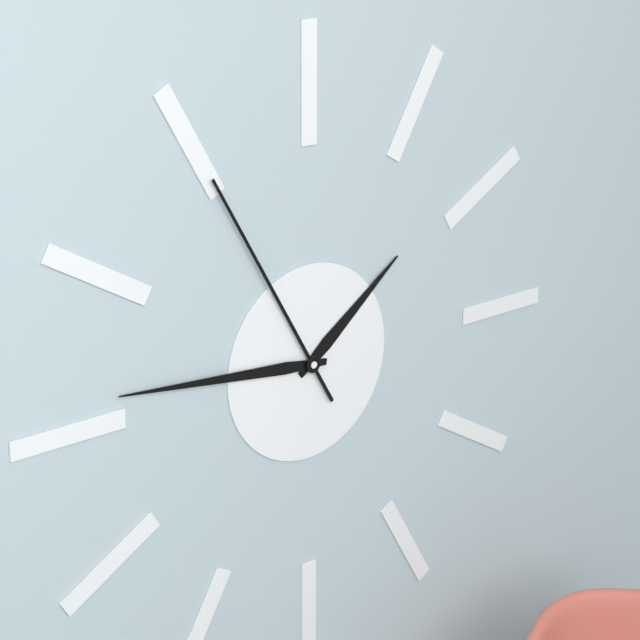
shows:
1,46,55
